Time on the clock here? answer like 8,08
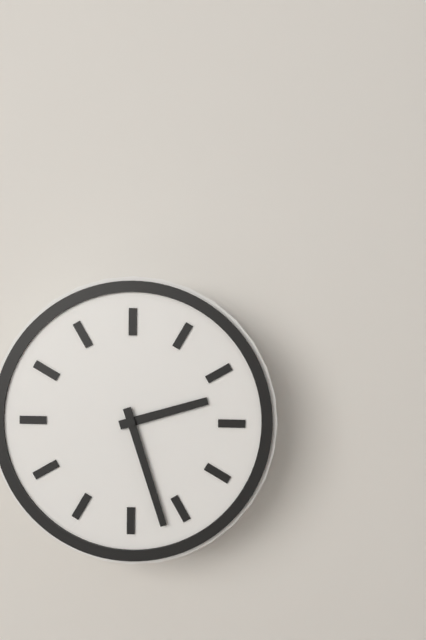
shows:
2,27
